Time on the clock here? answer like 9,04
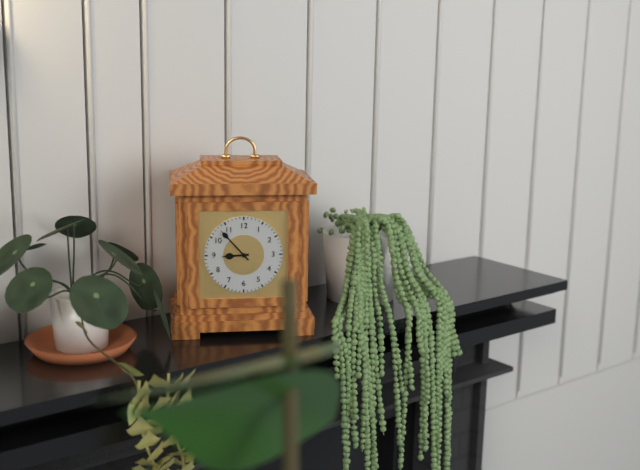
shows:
8,53
